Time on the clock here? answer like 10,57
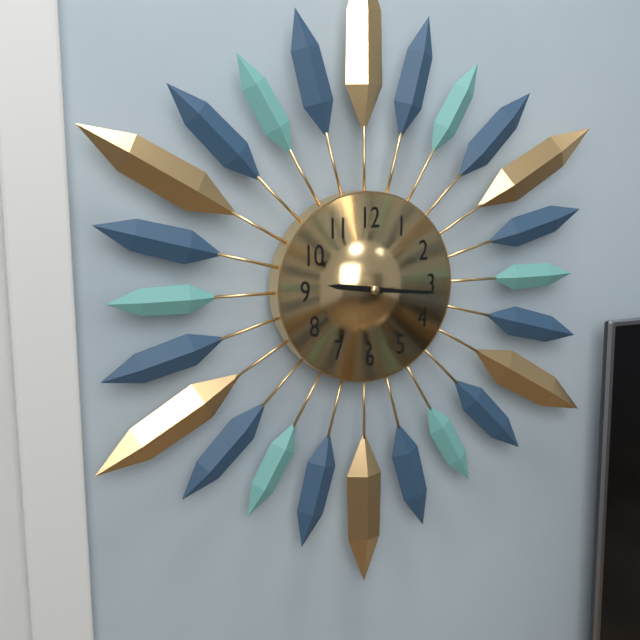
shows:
9,16
